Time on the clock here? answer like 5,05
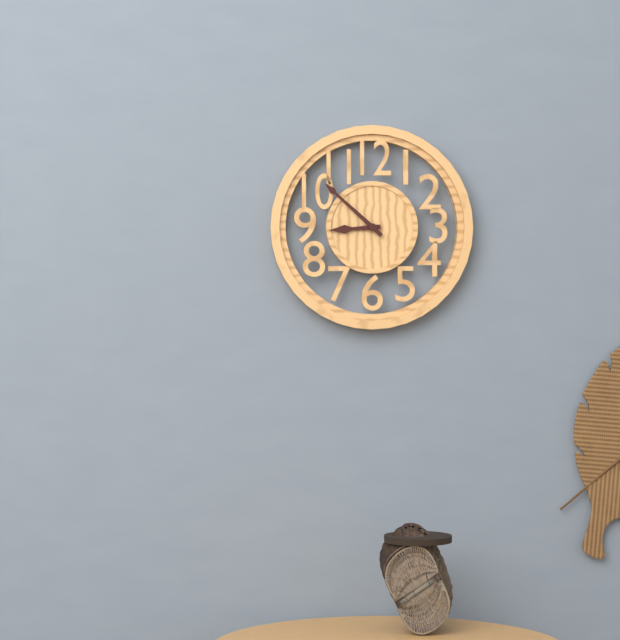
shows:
8,52
